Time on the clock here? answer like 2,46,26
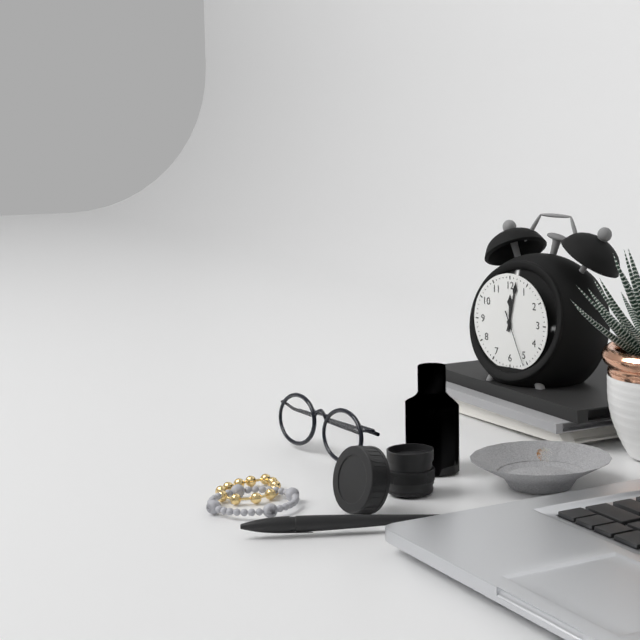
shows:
12,02,26
